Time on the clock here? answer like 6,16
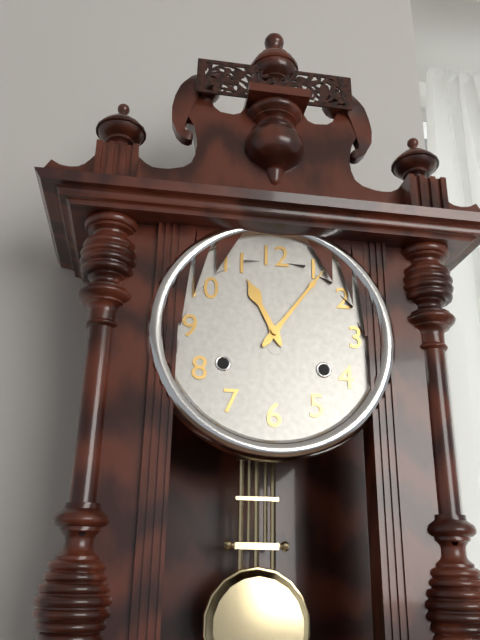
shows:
11,06
